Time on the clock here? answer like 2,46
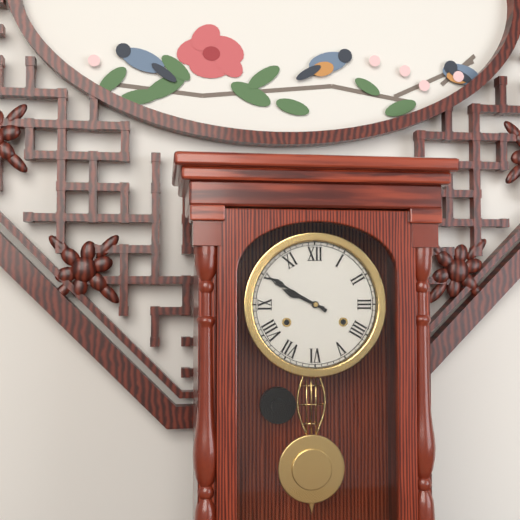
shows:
9,50
